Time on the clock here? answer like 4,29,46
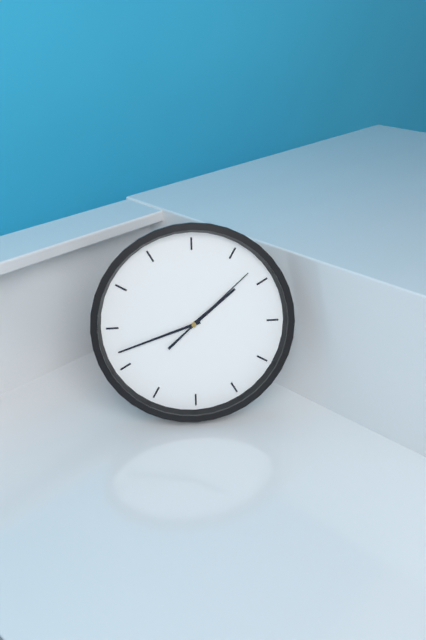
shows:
1,42,08
